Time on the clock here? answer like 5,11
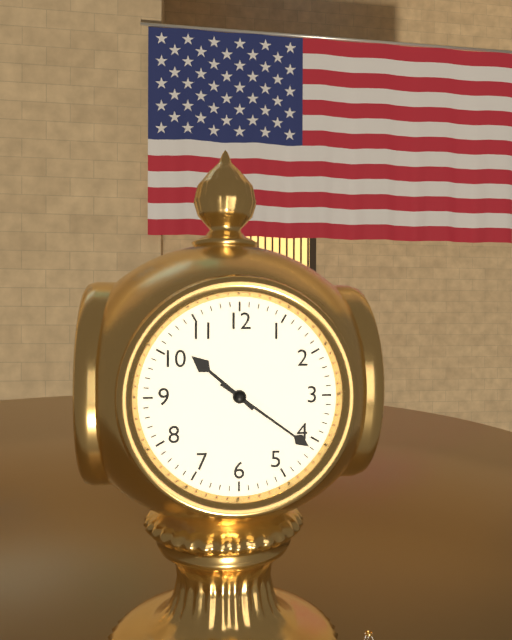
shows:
10,21
